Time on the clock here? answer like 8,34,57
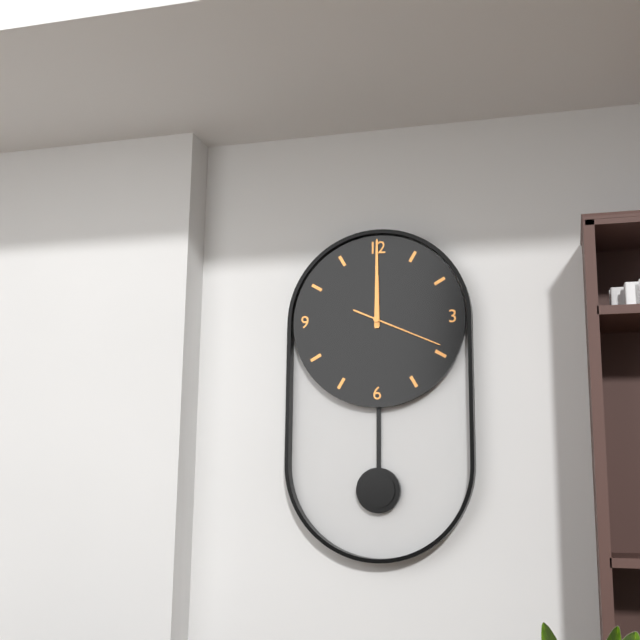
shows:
12,00,19
